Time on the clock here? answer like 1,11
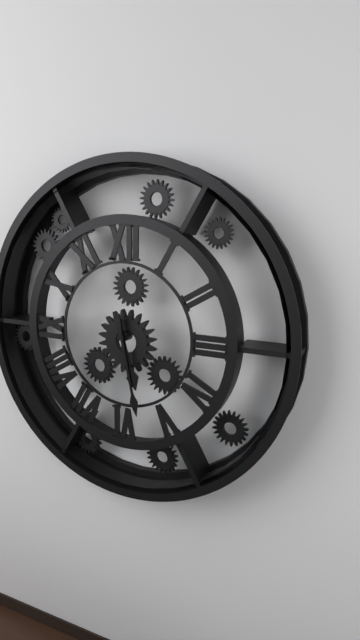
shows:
5,28
